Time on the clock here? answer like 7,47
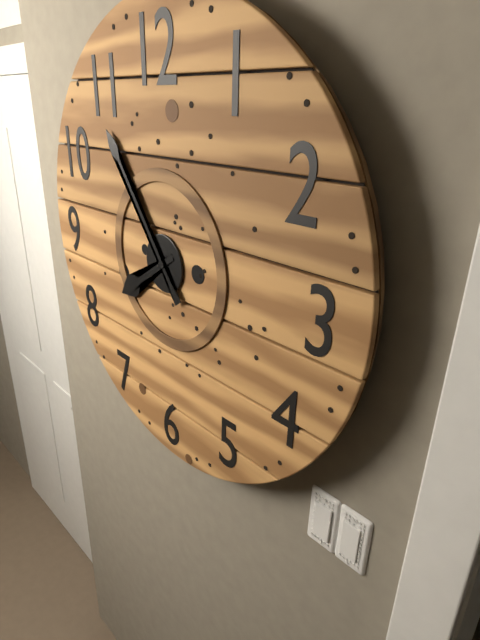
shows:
7,54
